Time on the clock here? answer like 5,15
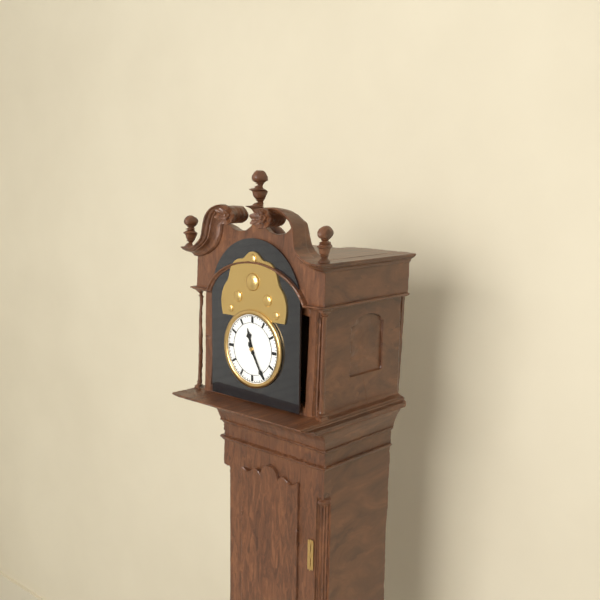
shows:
11,25
